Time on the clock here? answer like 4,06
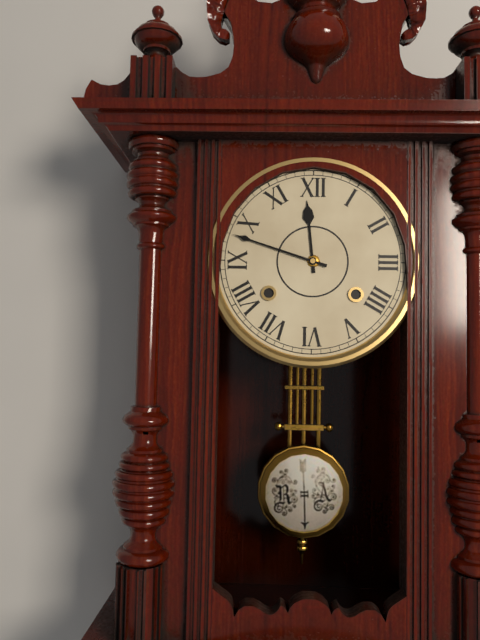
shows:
11,48
